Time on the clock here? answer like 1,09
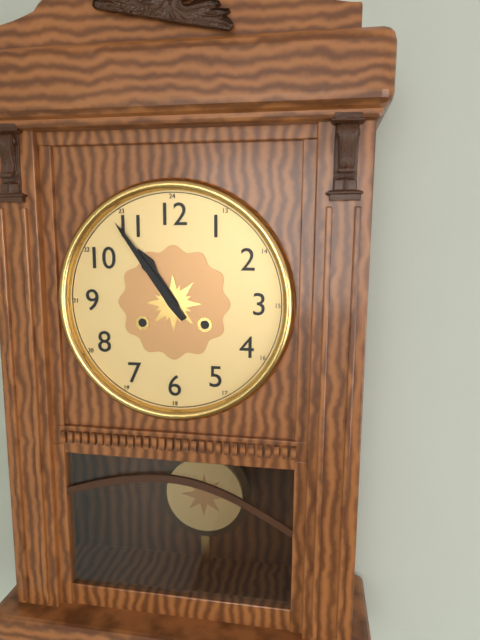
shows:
10,54
